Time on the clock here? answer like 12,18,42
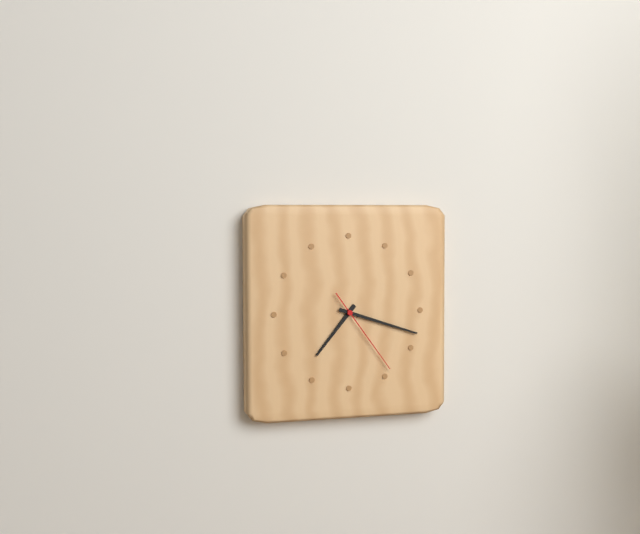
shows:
7,18,24
